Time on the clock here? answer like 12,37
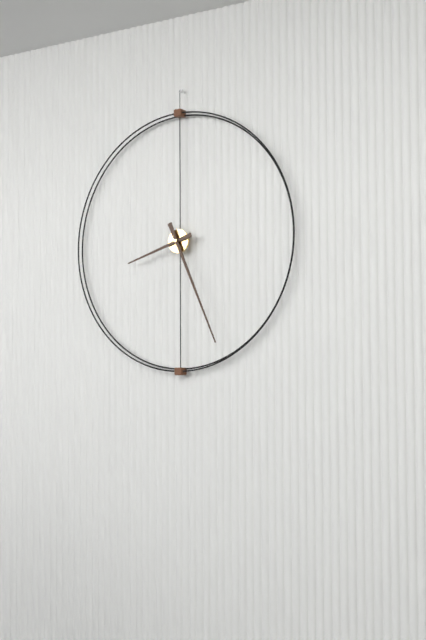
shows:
8,26
